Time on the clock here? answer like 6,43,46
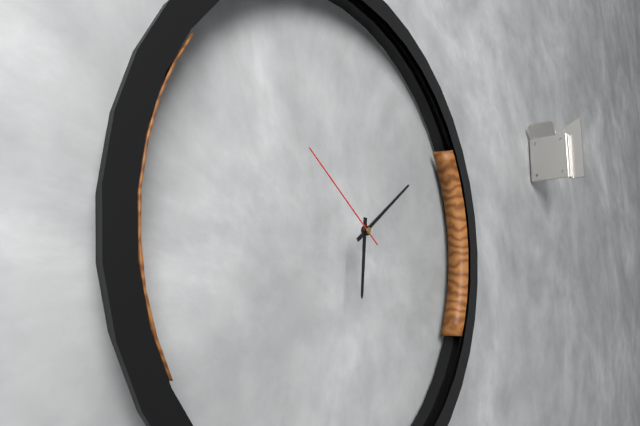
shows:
6,09,51
